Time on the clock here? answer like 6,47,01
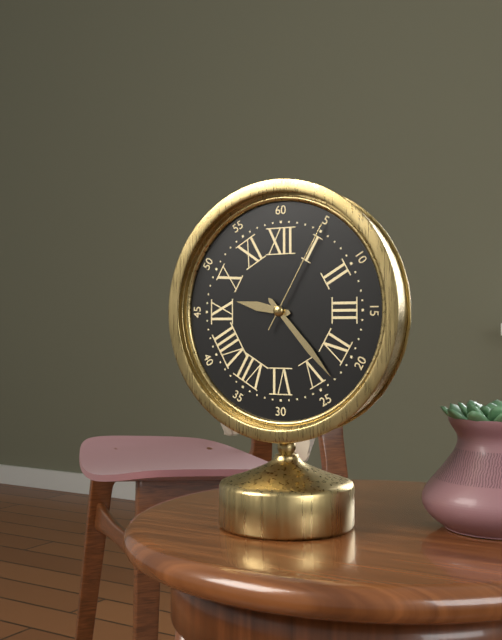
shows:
9,23,05
